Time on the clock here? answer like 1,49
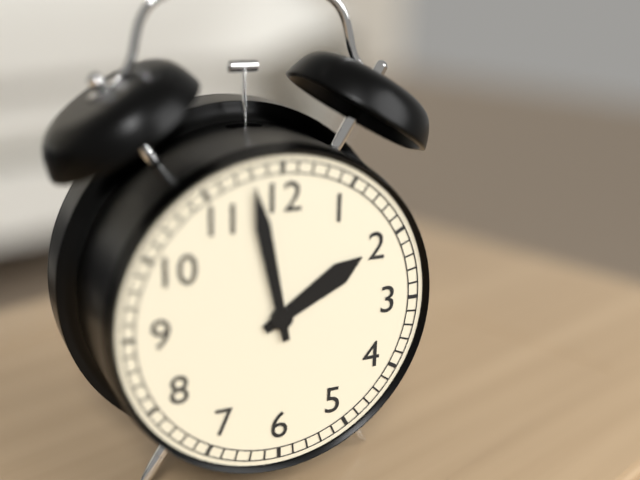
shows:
1,58
